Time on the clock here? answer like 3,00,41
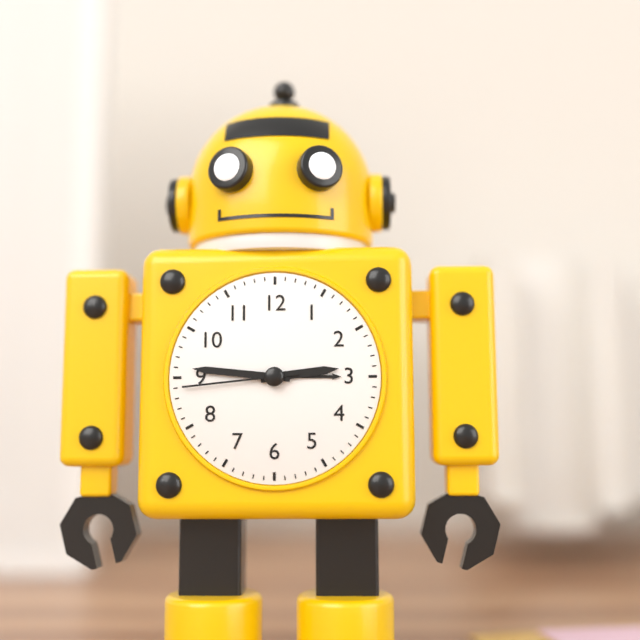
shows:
2,46,44
